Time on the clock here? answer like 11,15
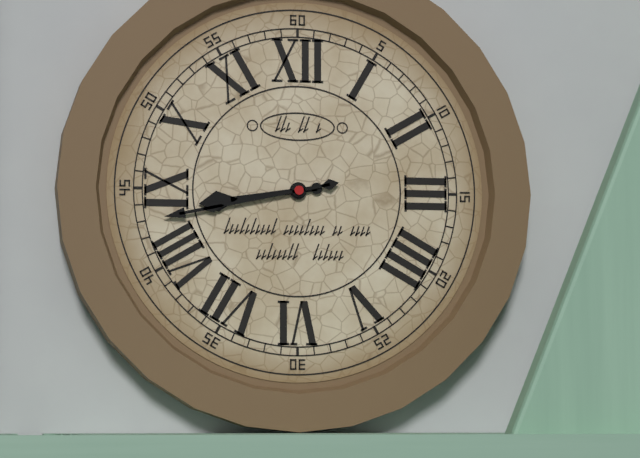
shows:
8,43
